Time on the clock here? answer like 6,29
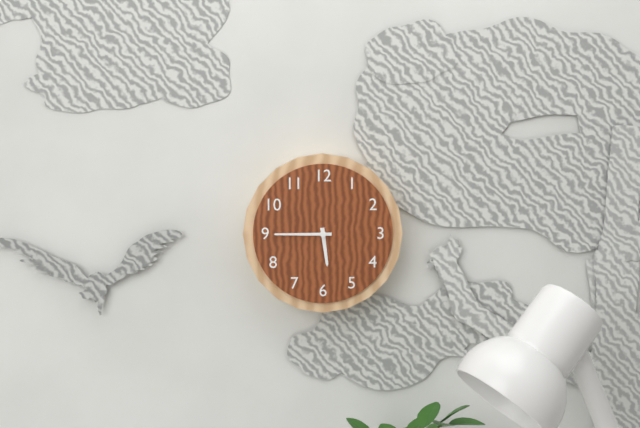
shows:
5,45
